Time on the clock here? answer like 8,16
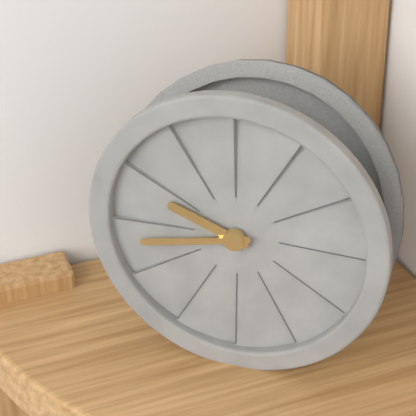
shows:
9,43
